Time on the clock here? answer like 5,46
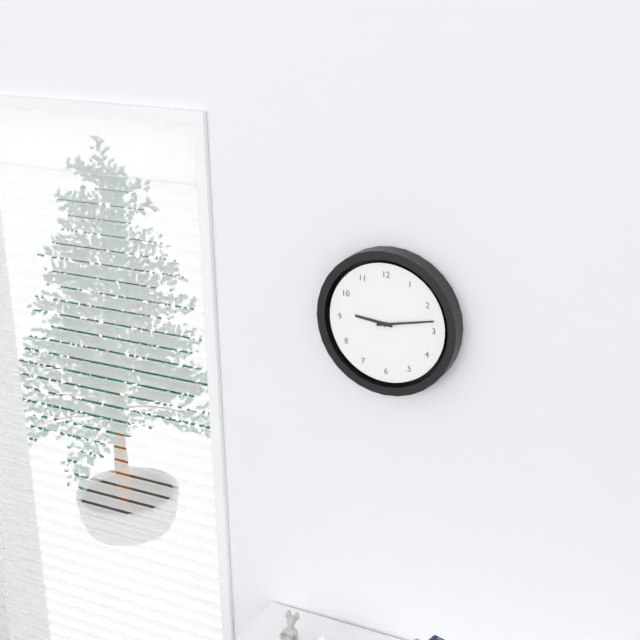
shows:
9,13
